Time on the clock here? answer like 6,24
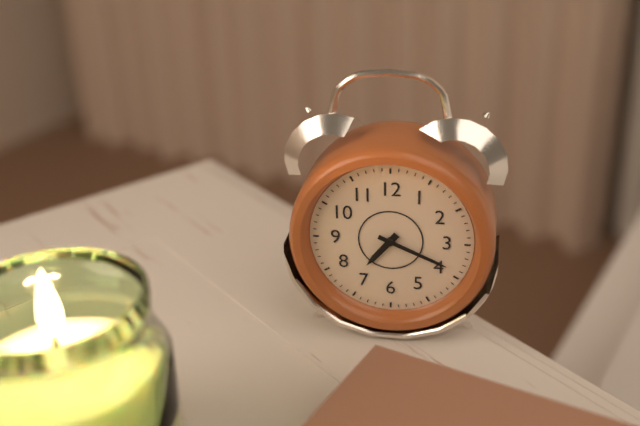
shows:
7,19
